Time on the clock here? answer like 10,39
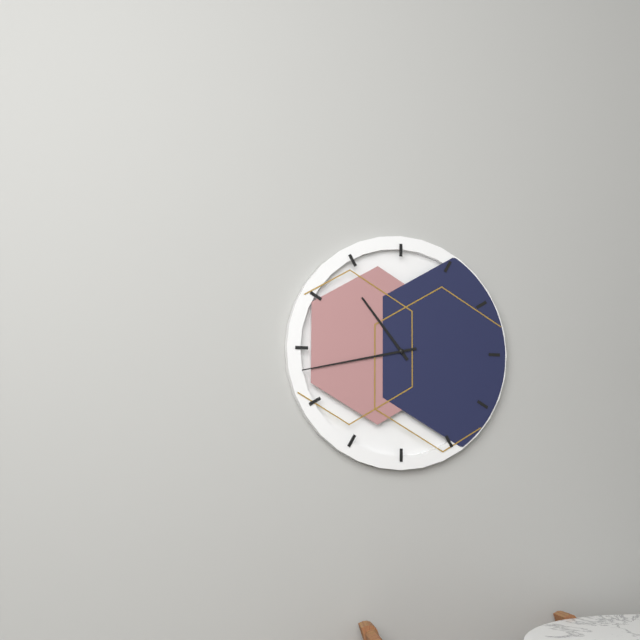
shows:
10,43
